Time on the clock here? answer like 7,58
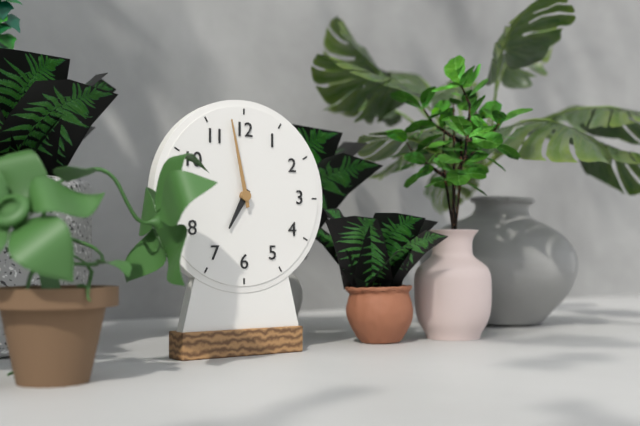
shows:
6,58
